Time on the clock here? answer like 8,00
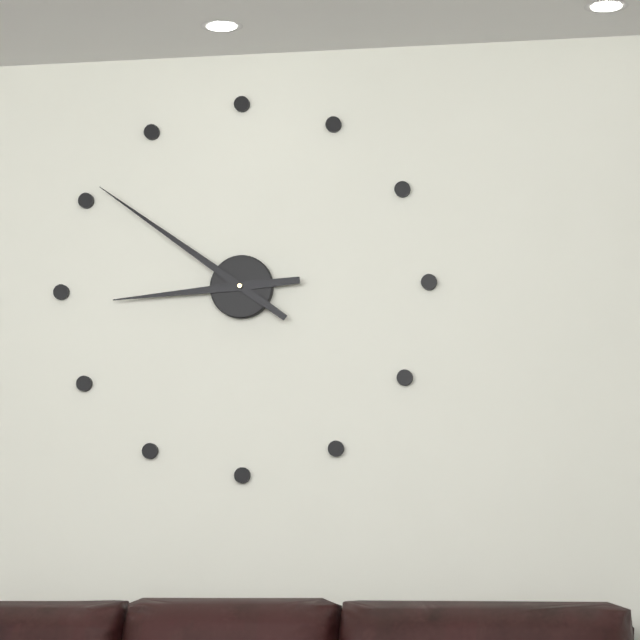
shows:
8,51
